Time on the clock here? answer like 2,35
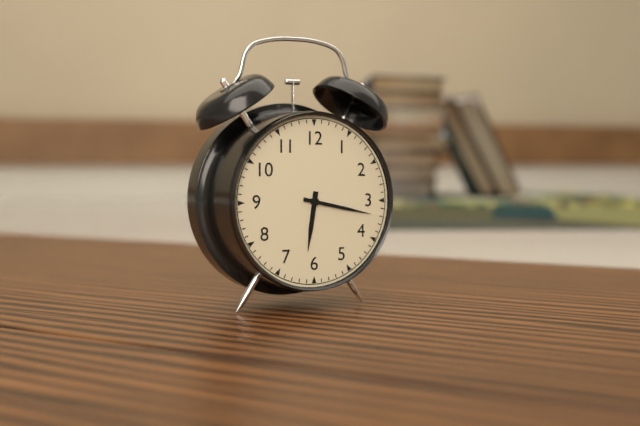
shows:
6,17
